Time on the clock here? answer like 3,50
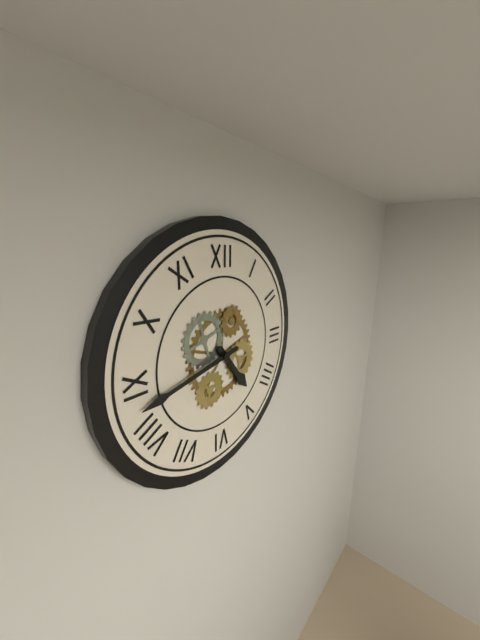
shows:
4,43
